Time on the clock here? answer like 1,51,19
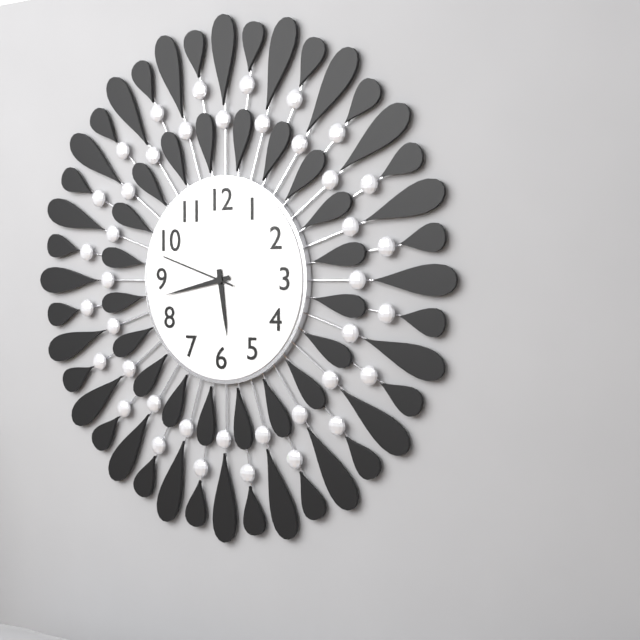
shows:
5,43,48
